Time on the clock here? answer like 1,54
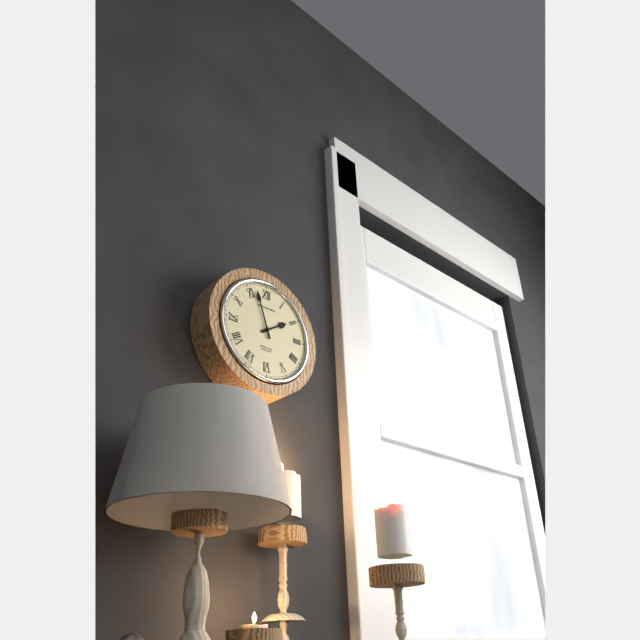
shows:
1,57
